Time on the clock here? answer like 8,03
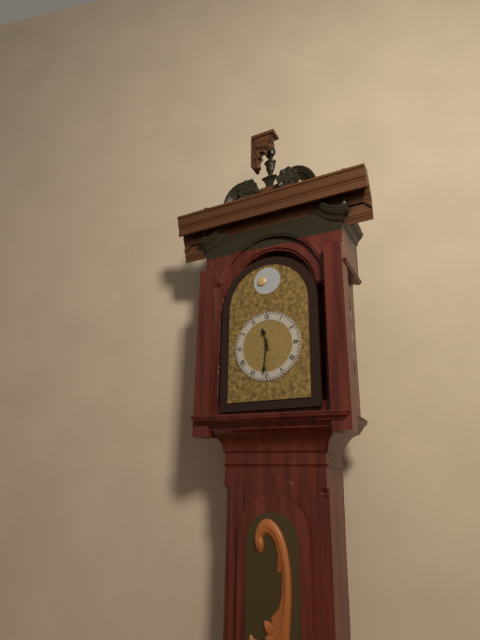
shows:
11,31
